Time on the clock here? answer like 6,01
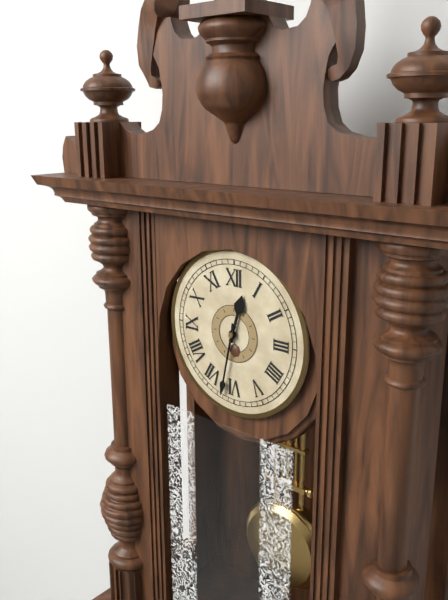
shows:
12,32
